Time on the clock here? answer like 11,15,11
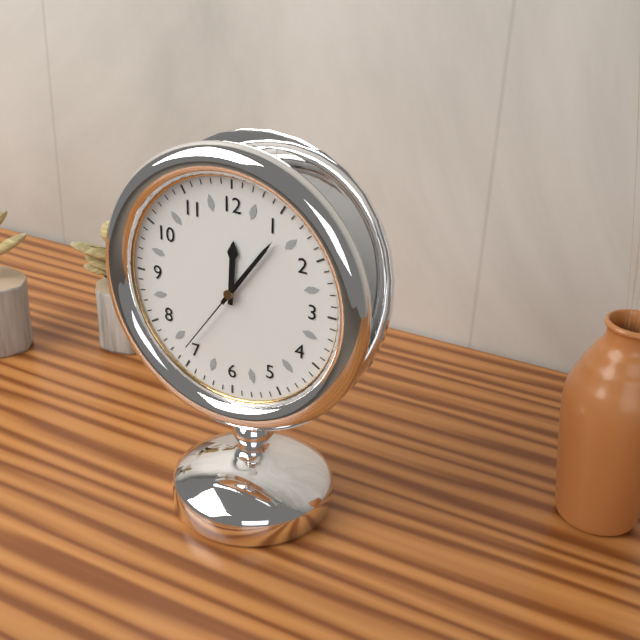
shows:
12,06,36
